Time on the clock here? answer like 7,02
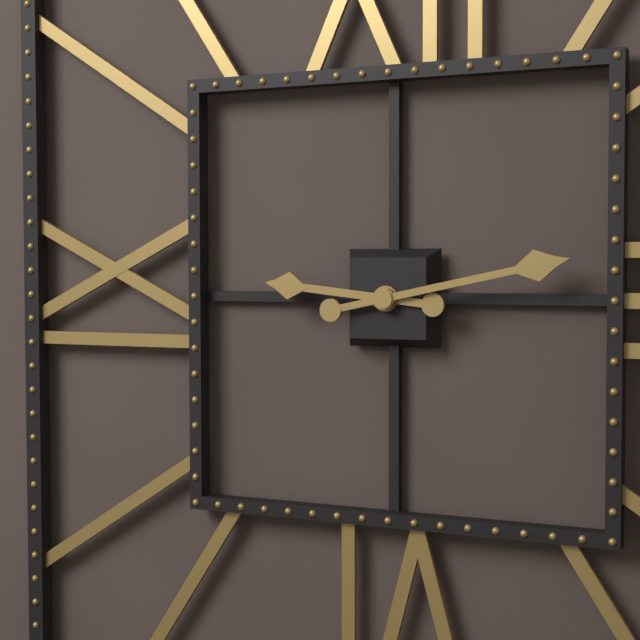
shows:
9,13
